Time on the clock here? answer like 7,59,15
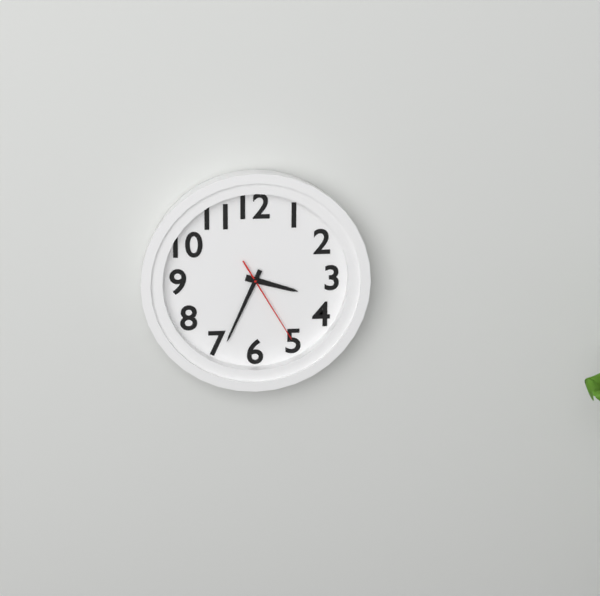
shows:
3,34,25
